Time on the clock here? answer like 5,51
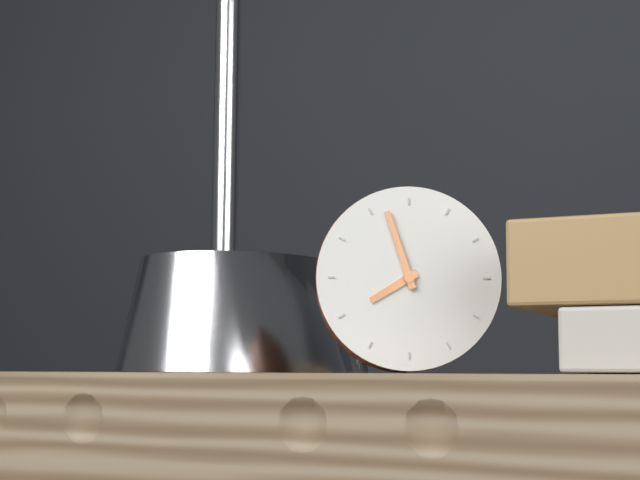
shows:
7,57
